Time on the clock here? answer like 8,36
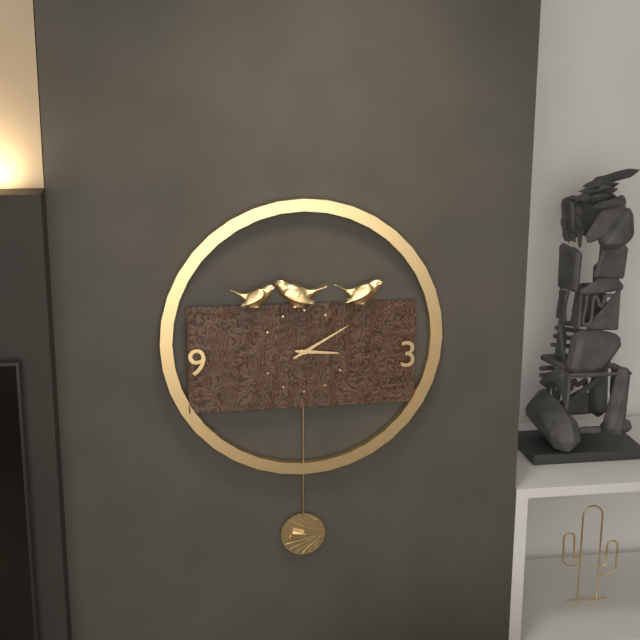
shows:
3,10
